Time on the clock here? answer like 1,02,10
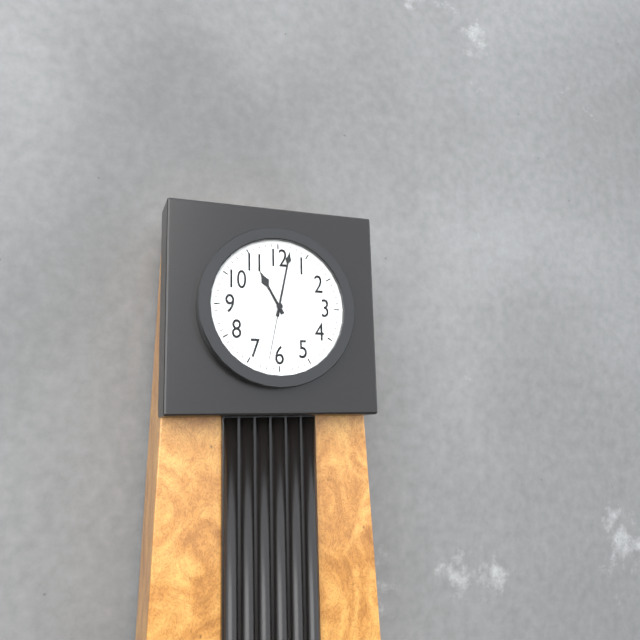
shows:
11,02,32
